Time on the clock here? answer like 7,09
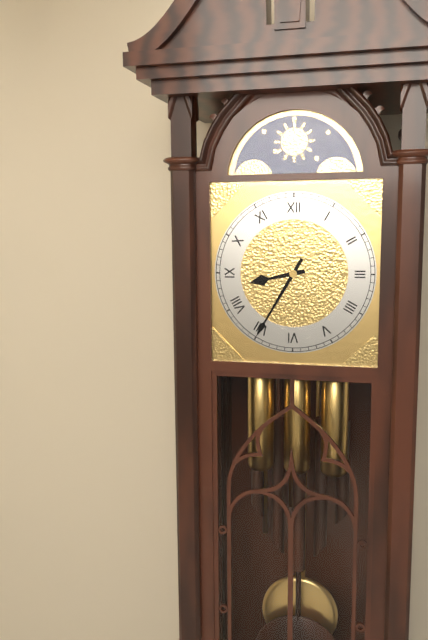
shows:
8,35
